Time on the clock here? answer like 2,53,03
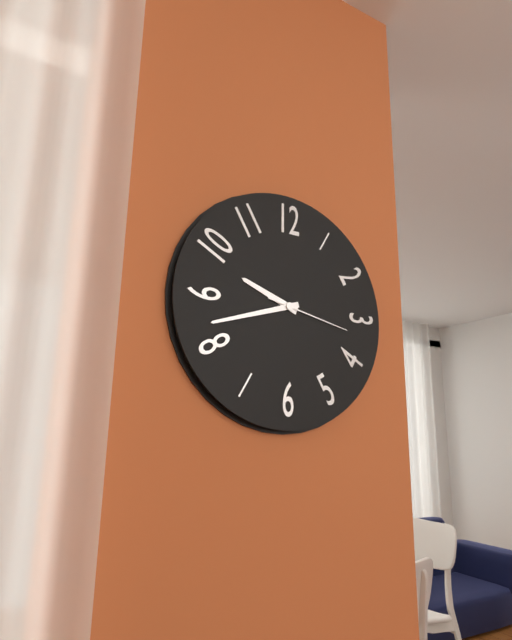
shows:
9,42,17
